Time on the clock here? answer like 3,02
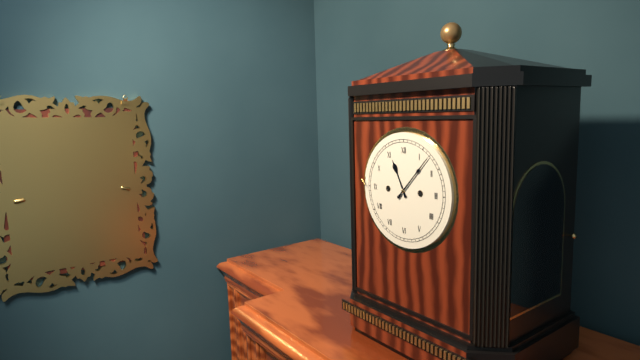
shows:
11,07
